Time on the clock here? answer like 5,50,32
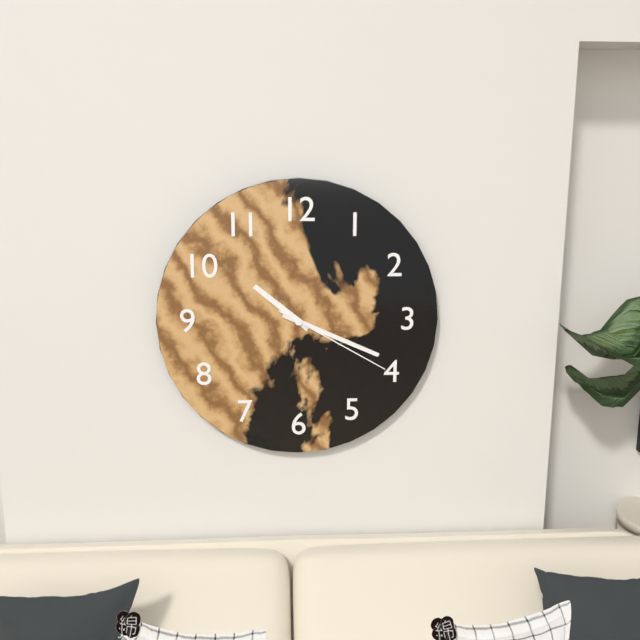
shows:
10,19,20
